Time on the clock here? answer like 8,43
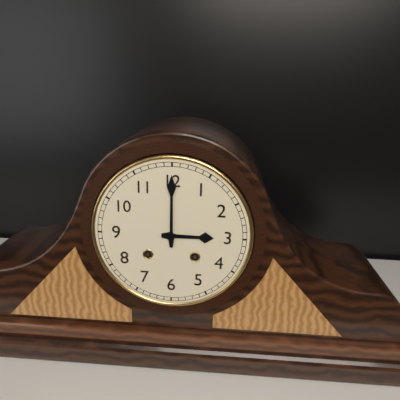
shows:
3,00
